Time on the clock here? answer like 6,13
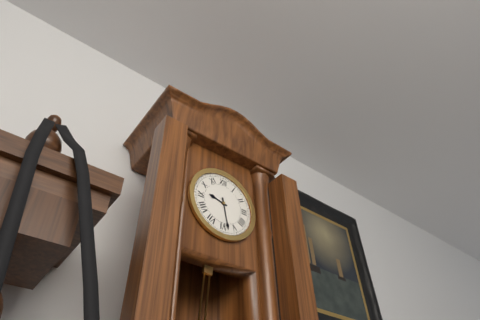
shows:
9,28
